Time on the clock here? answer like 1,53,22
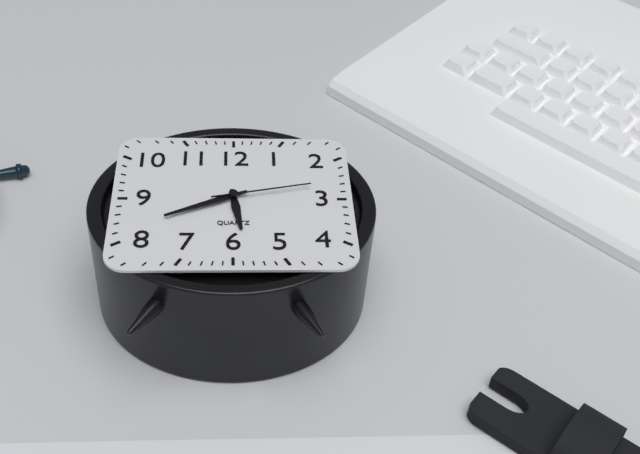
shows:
5,41,13
